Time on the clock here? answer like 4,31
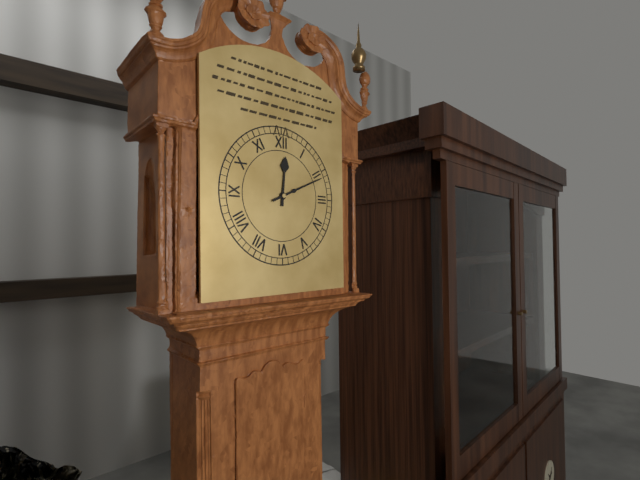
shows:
12,11
